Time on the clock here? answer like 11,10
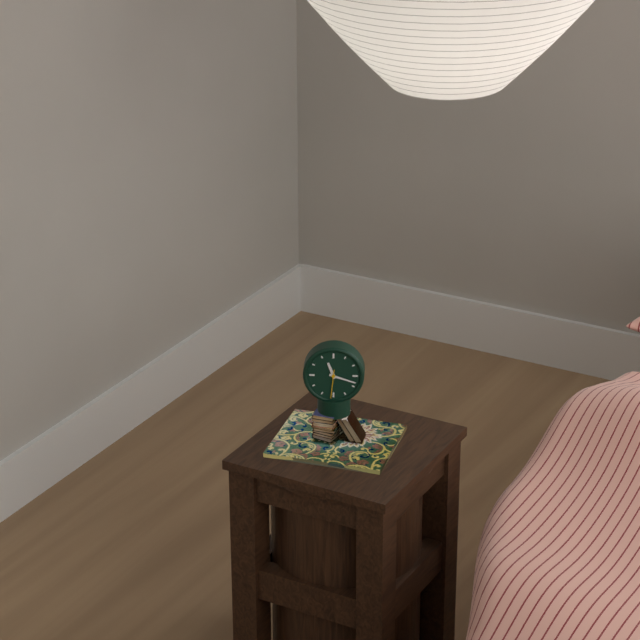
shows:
11,18
